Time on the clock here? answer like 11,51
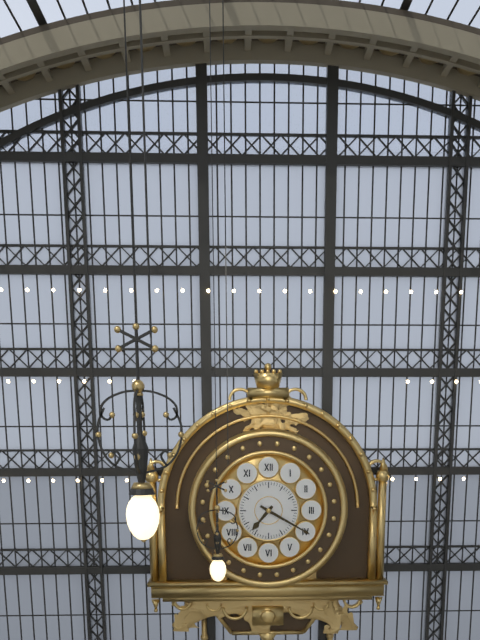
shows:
7,20
